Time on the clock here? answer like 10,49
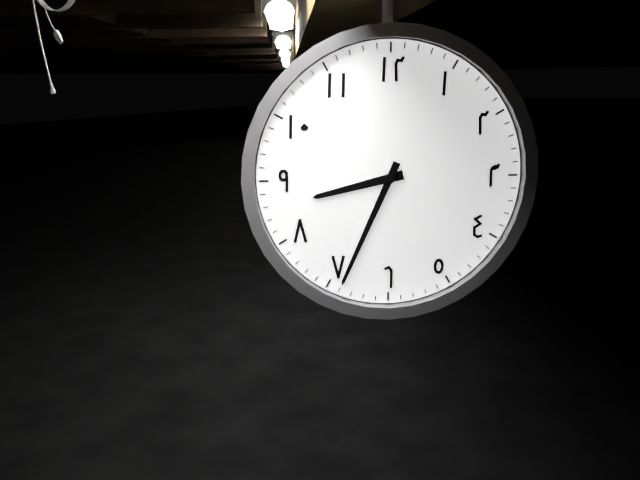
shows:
8,34
